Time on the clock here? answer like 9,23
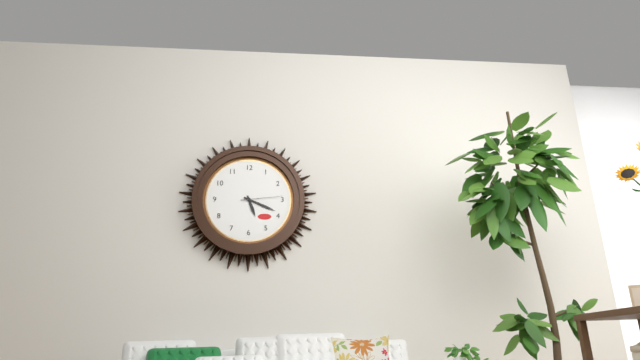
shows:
5,19
